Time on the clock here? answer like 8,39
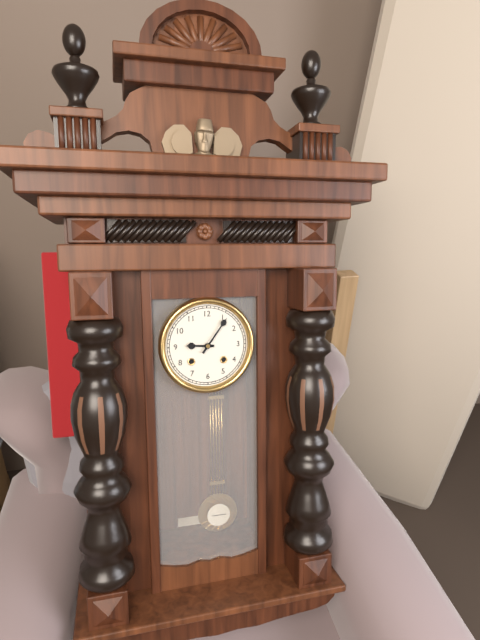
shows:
9,06
